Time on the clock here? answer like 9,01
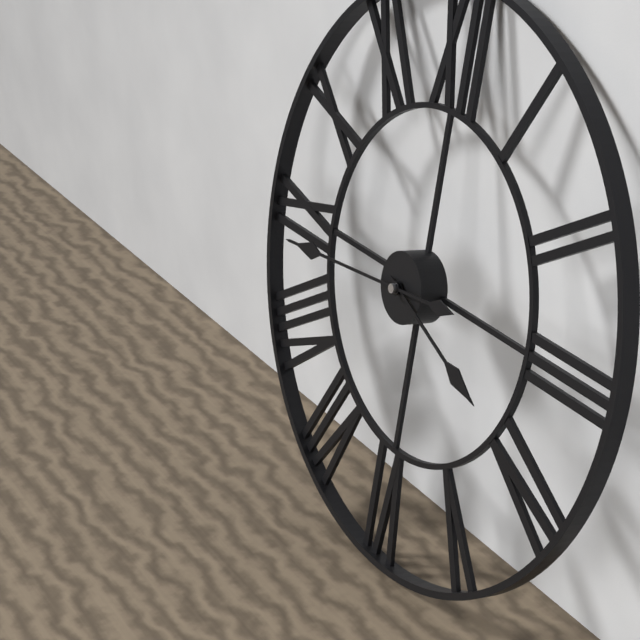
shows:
3,44
